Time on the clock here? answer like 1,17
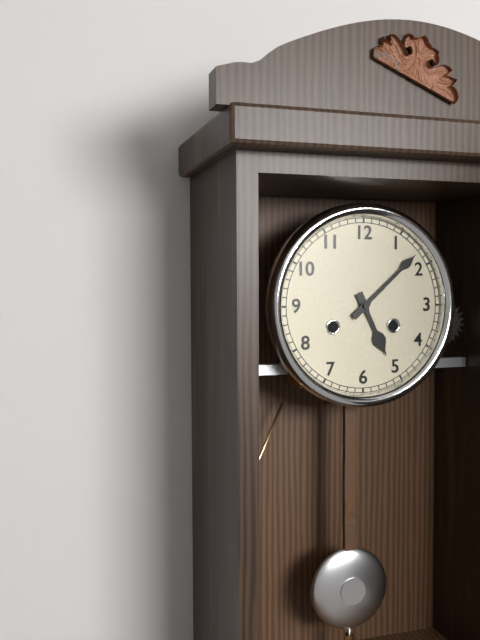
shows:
5,08
